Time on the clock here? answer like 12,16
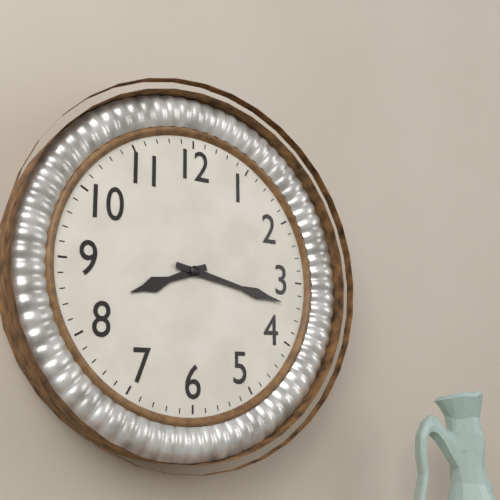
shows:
8,17
